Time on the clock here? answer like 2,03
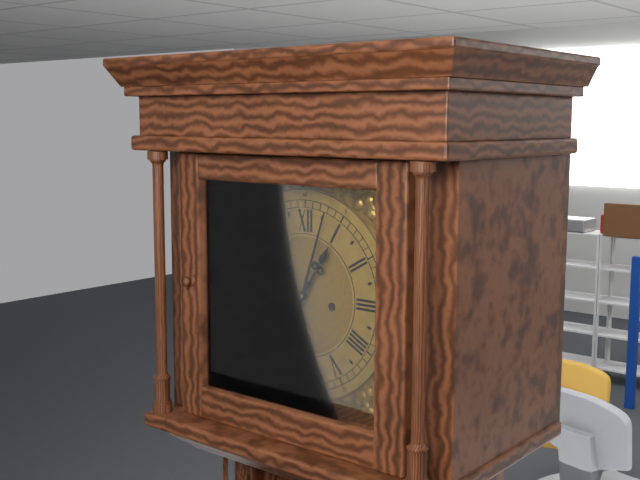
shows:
1,03
